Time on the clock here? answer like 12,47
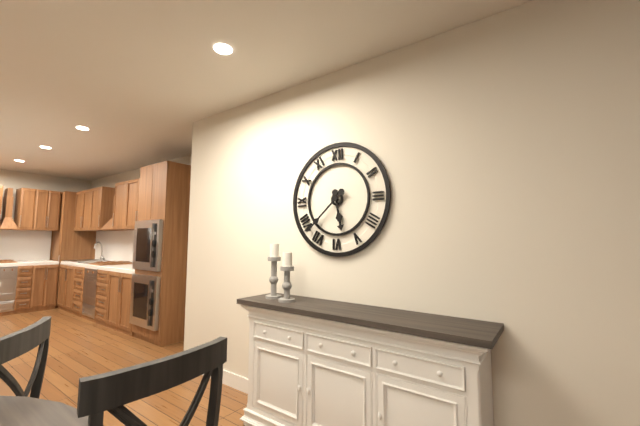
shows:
5,38
